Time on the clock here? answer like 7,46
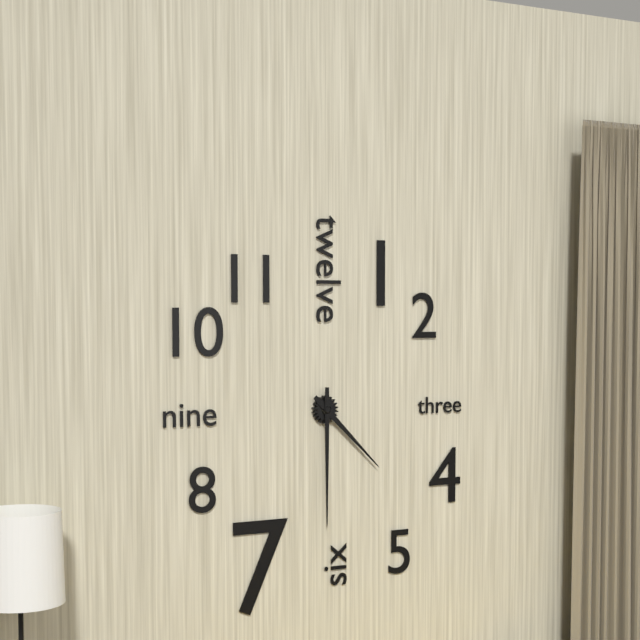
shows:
4,30
